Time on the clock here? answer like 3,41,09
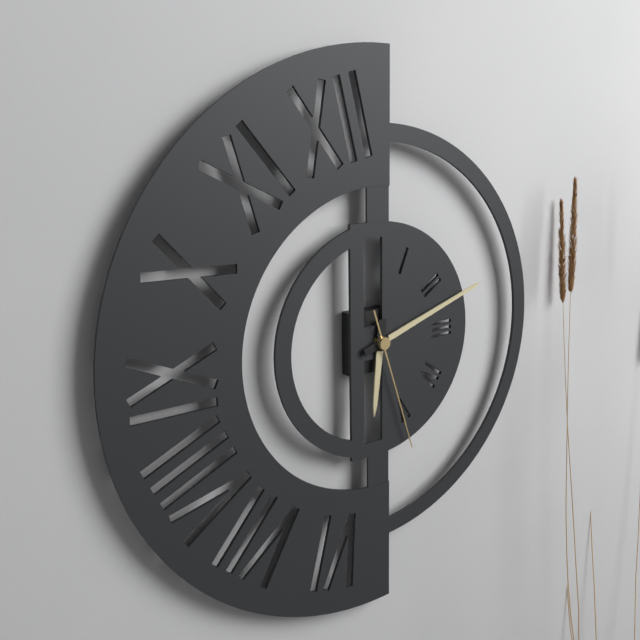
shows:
6,12,27
